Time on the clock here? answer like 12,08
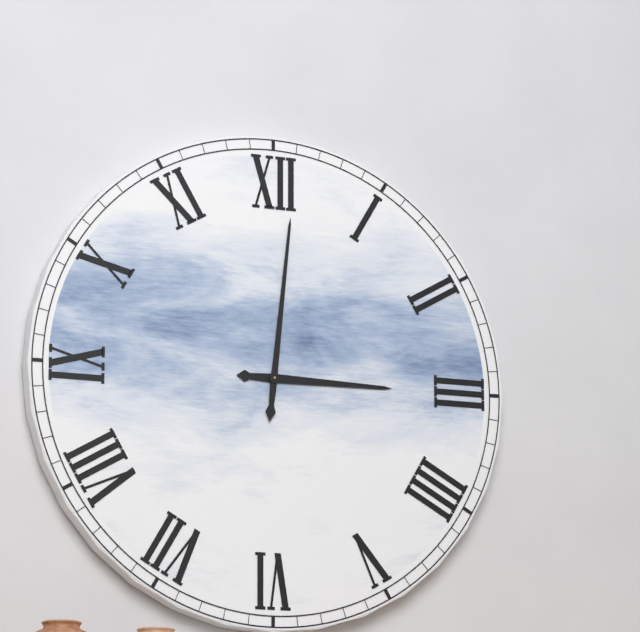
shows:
3,01
